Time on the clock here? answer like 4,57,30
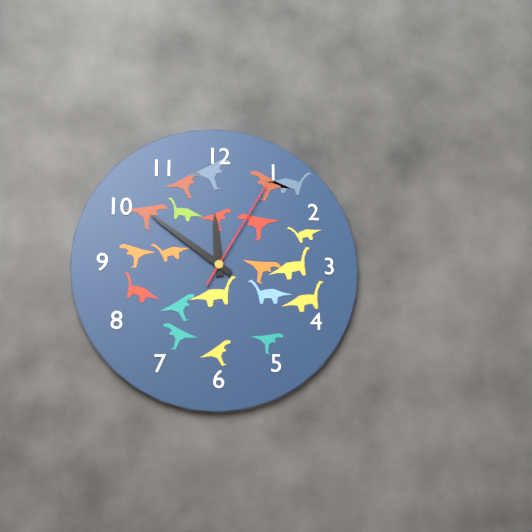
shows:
11,51,05
